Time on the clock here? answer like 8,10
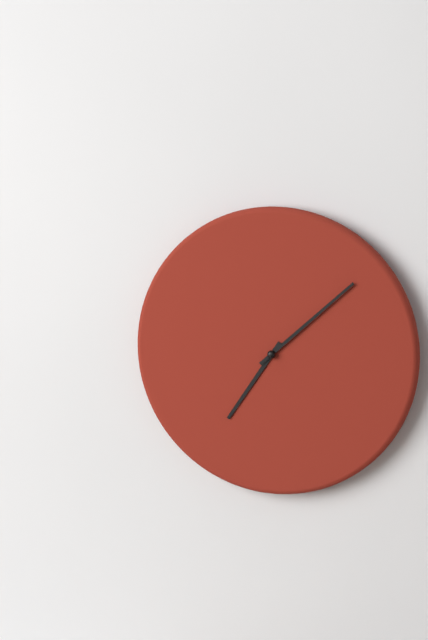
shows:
7,08
